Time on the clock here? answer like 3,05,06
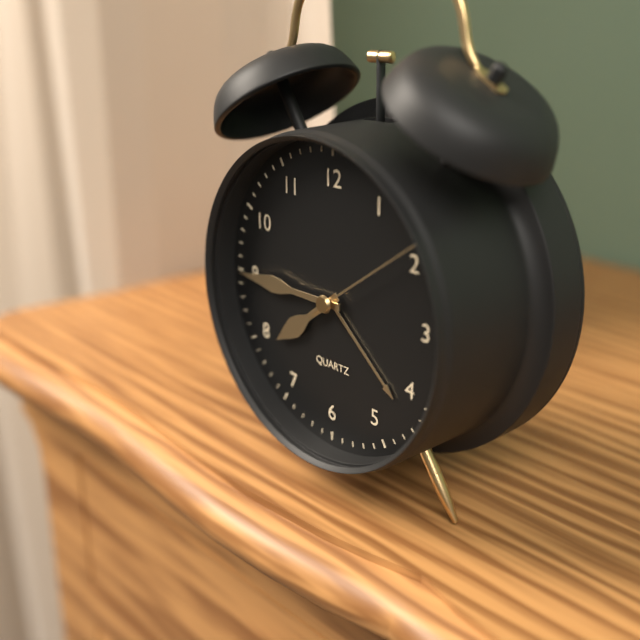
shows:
7,45,09
